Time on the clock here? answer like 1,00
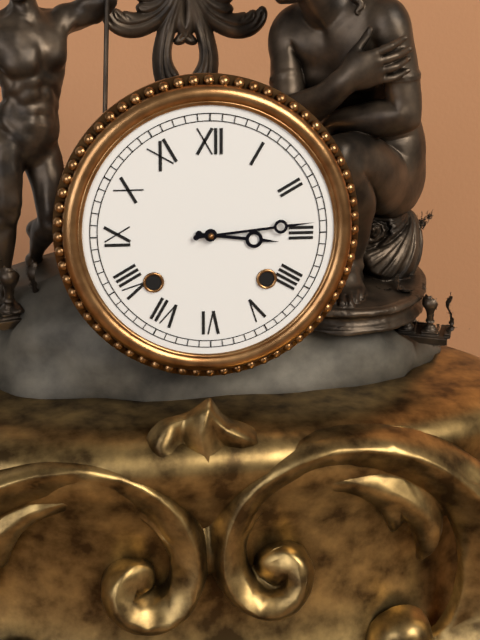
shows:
3,14
